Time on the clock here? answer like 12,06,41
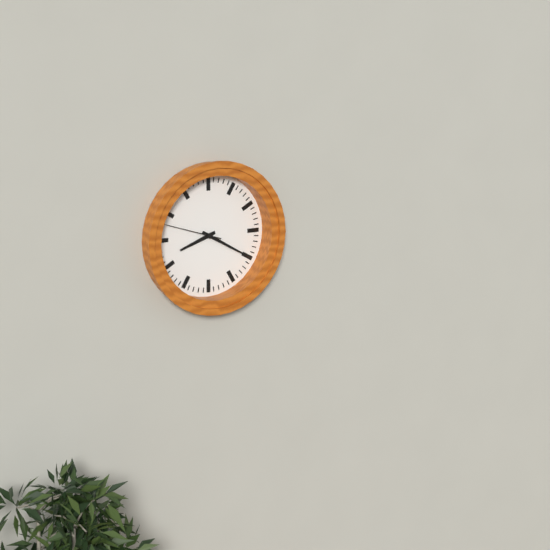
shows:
8,20,48
